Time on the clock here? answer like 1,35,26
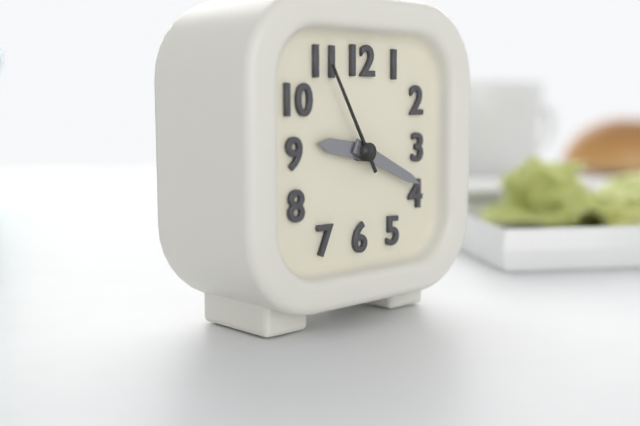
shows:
9,19,55
